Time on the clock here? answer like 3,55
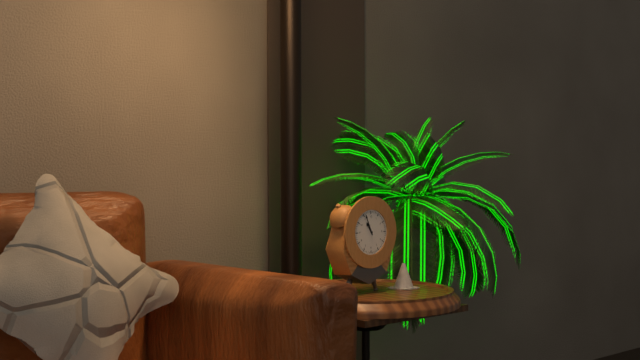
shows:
10,56
